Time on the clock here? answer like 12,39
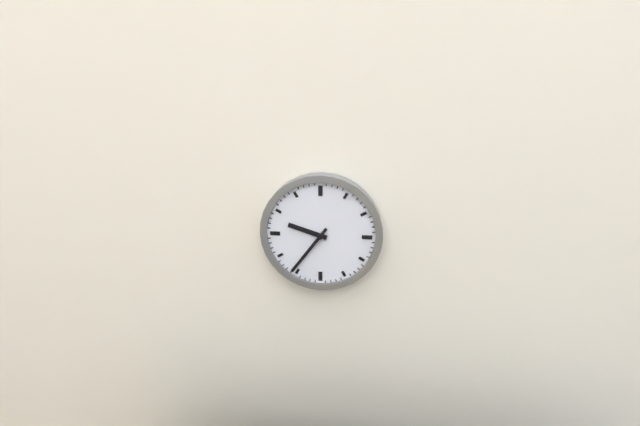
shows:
9,36
